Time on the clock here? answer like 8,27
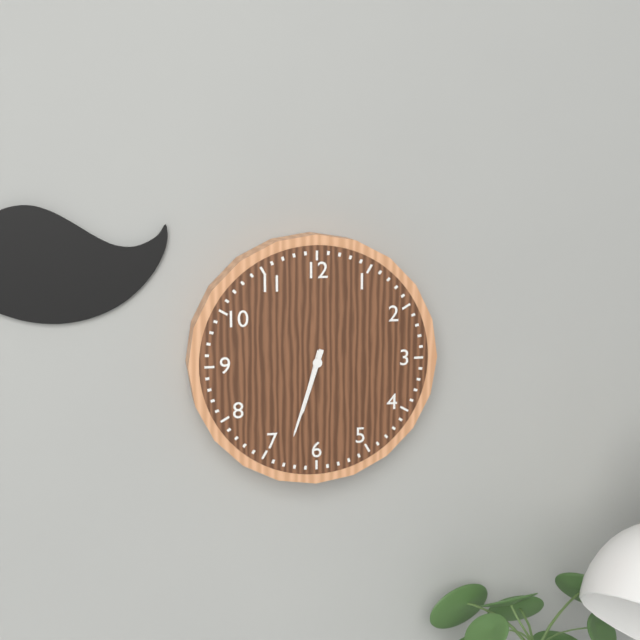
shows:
6,33
